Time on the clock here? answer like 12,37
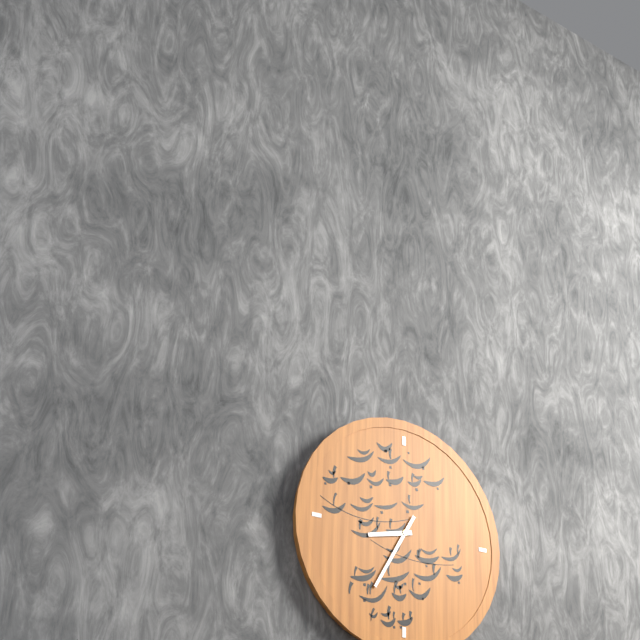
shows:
8,35
